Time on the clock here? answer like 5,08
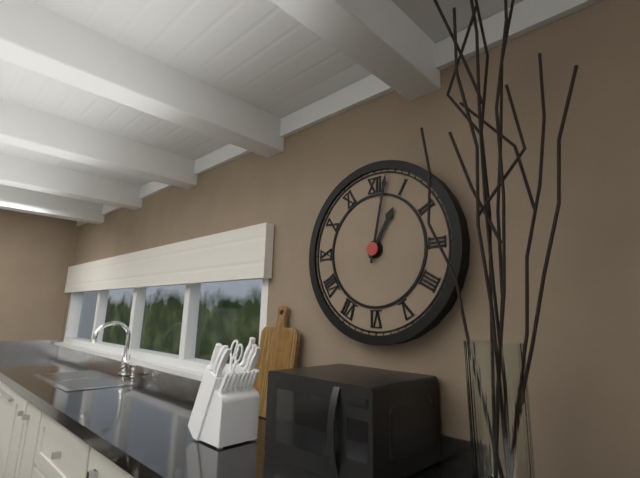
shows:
1,02
